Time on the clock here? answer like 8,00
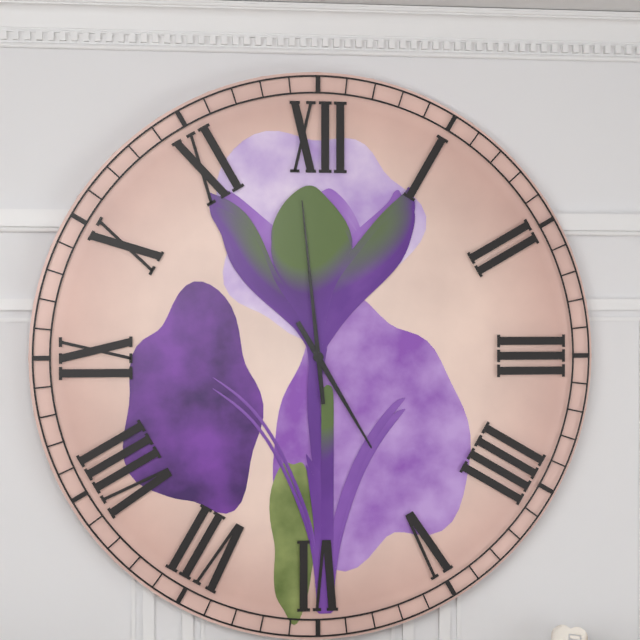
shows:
4,59
